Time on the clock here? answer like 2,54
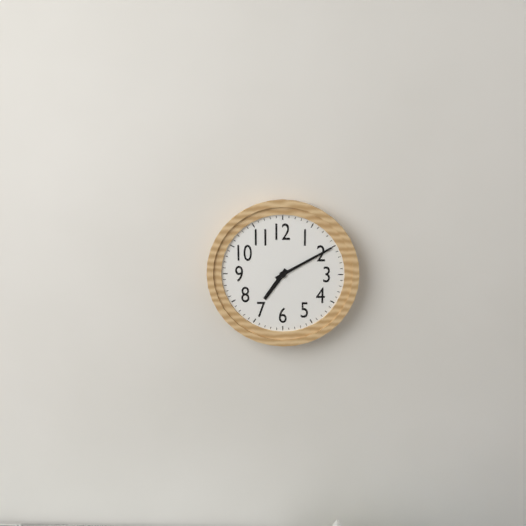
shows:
7,10
